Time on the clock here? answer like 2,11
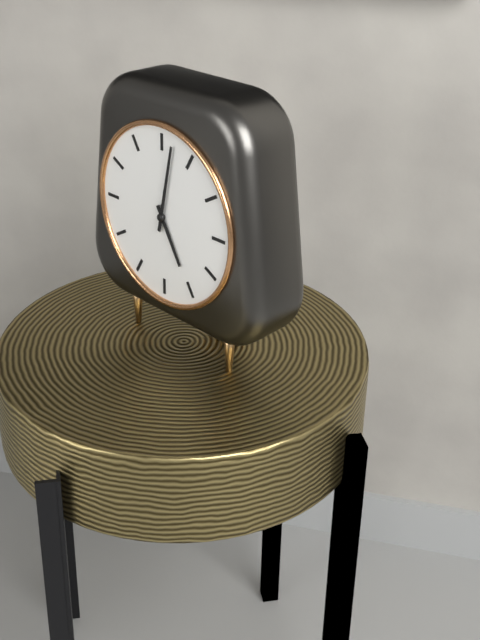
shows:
5,02
